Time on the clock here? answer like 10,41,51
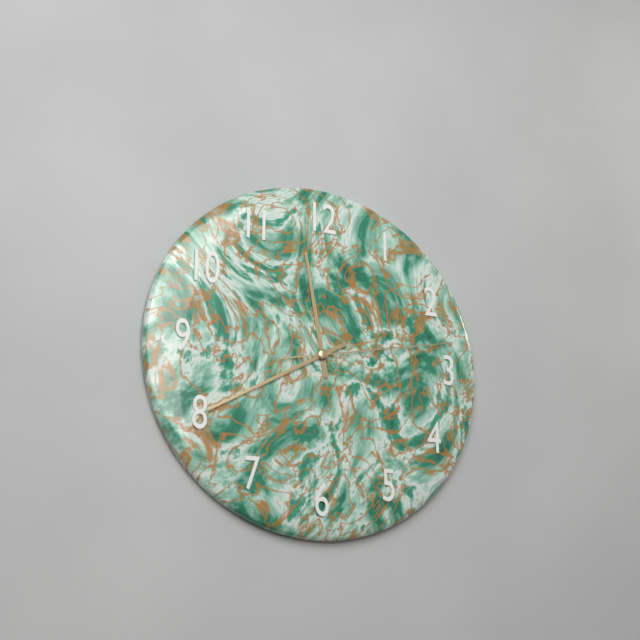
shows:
11,40,13
